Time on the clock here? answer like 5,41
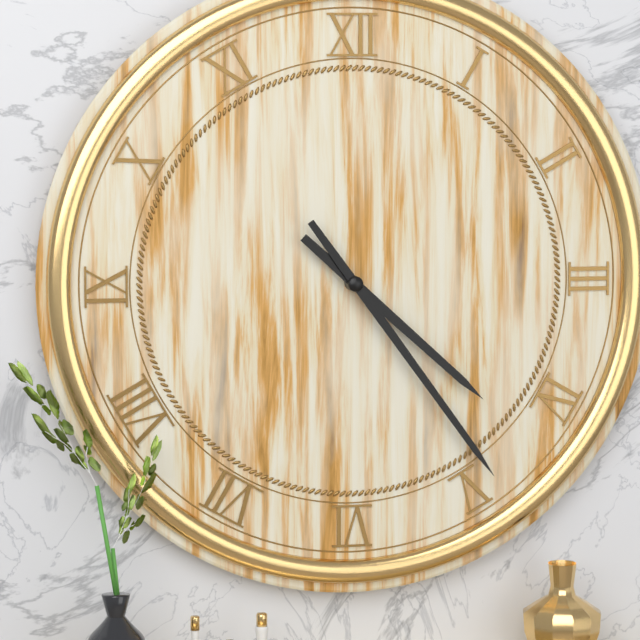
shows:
4,24
